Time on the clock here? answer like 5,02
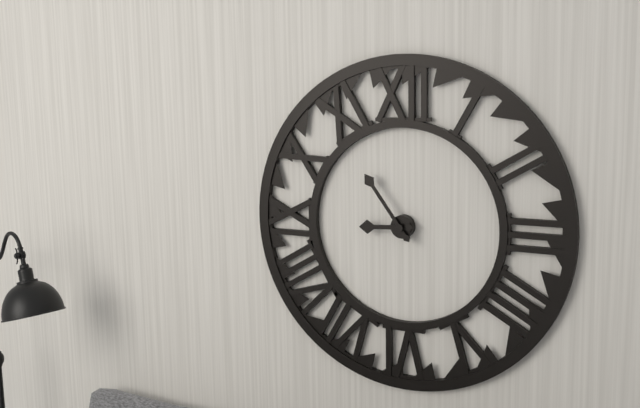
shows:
8,54
